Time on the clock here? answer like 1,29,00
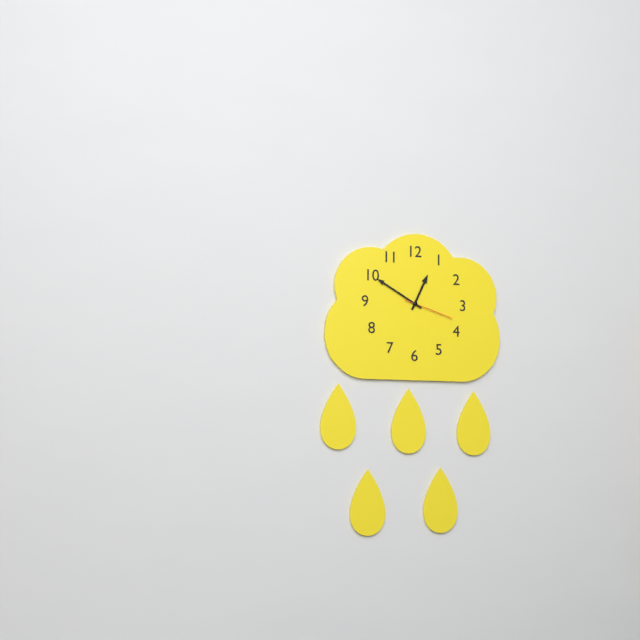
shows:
12,50,18
